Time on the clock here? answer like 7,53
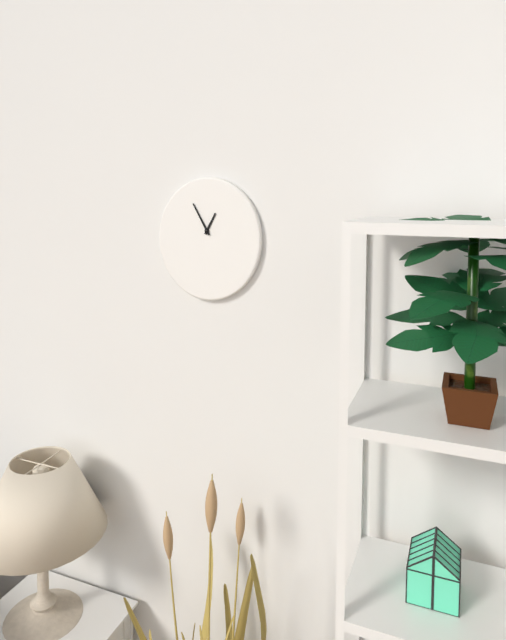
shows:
12,55
